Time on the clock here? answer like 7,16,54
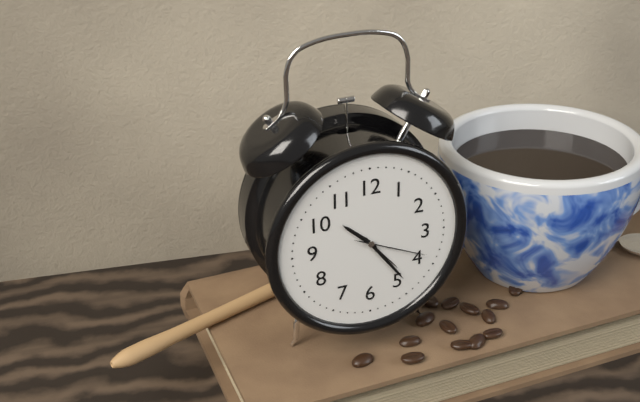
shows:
10,24,19
